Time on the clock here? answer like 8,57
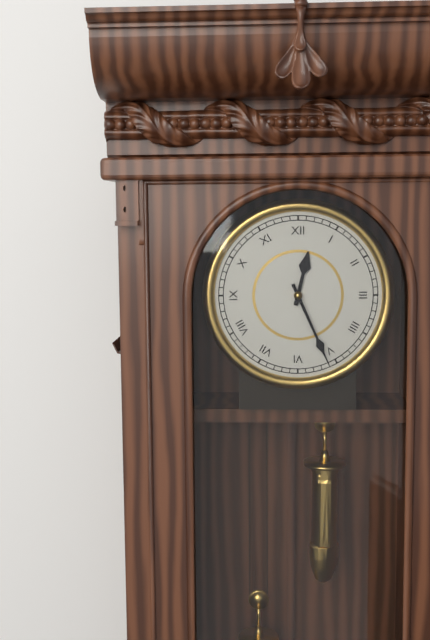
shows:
12,26
